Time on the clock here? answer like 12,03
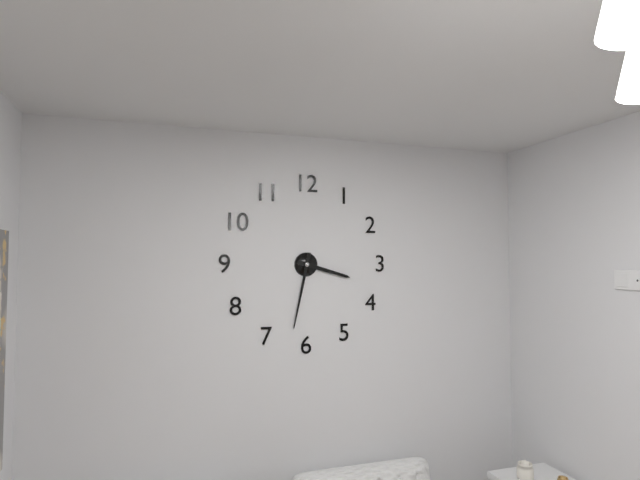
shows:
3,32
